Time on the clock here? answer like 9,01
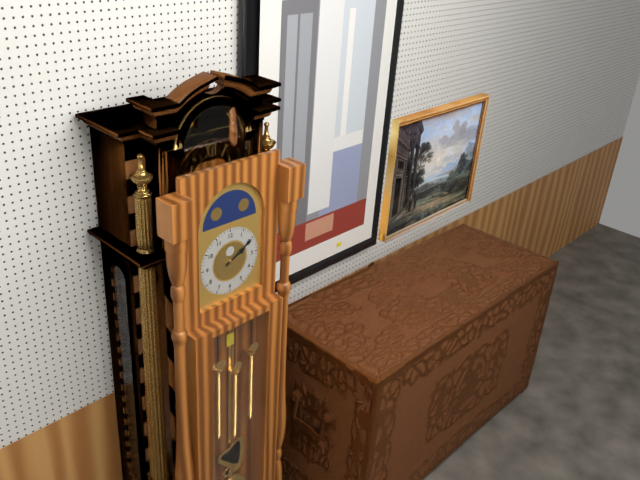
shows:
2,10
